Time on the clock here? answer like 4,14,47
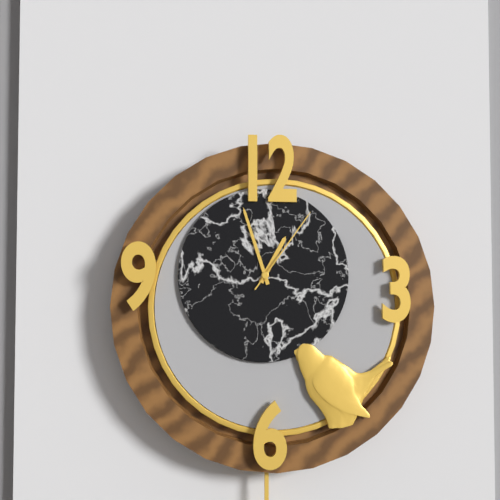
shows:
12,57,06
